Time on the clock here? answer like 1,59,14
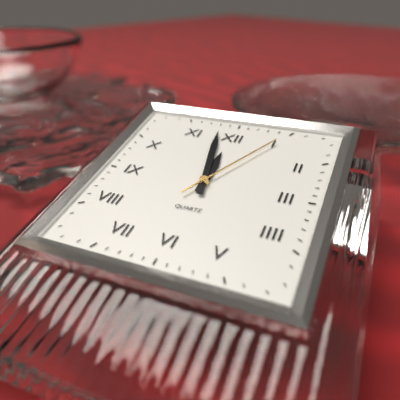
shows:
11,58,05
